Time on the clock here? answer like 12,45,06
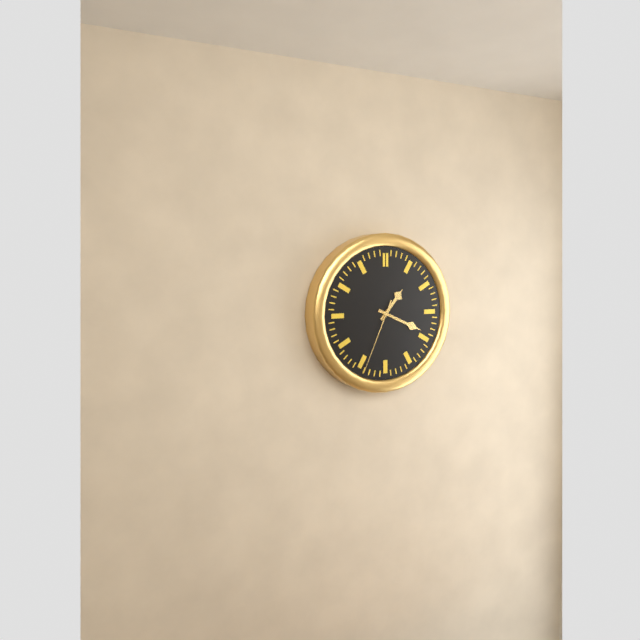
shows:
1,19,34
